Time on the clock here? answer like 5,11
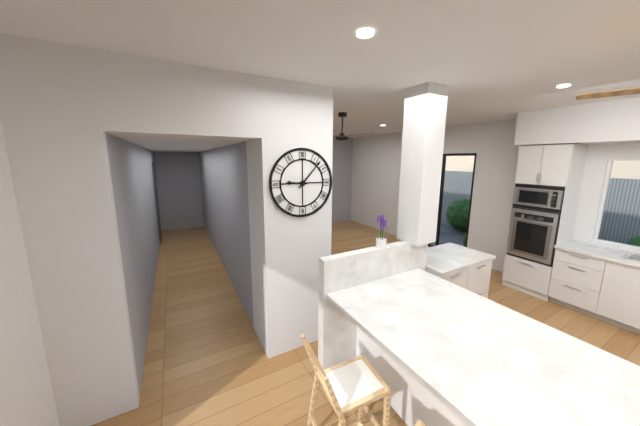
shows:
9,07
